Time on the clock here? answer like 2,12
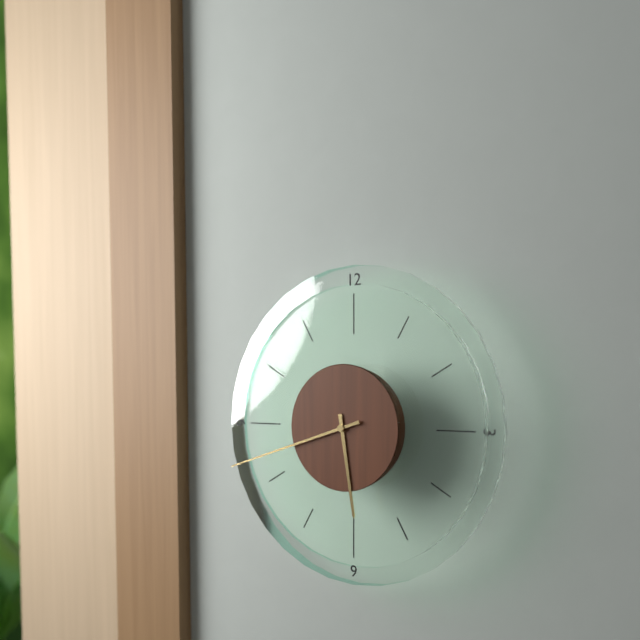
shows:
5,42
